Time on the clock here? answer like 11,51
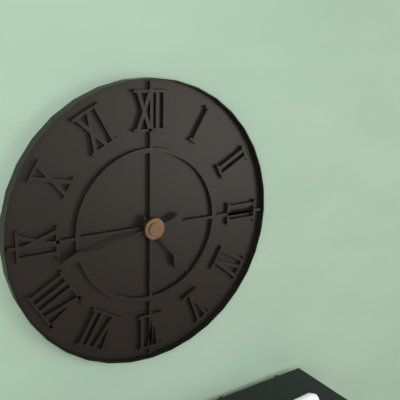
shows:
4,43
